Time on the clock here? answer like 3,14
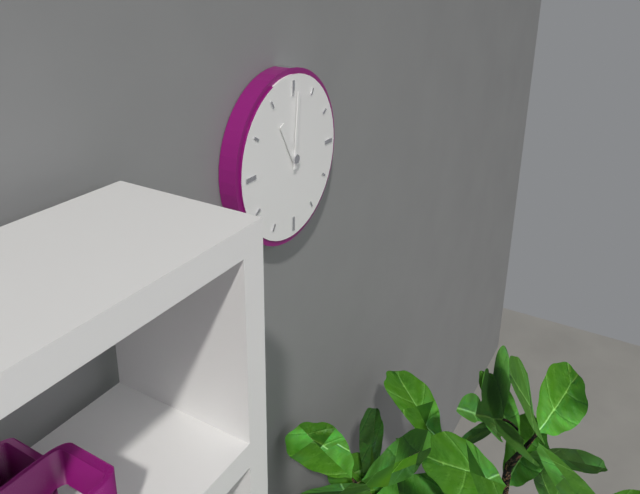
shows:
11,01
